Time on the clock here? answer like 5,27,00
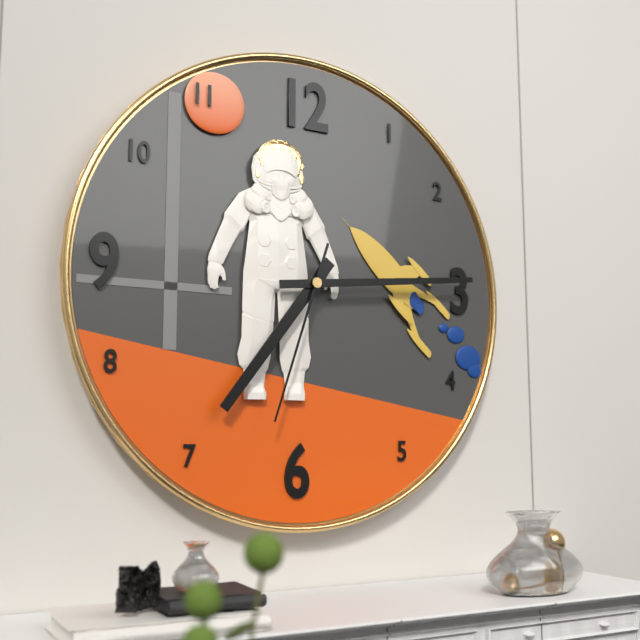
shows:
7,14,33
